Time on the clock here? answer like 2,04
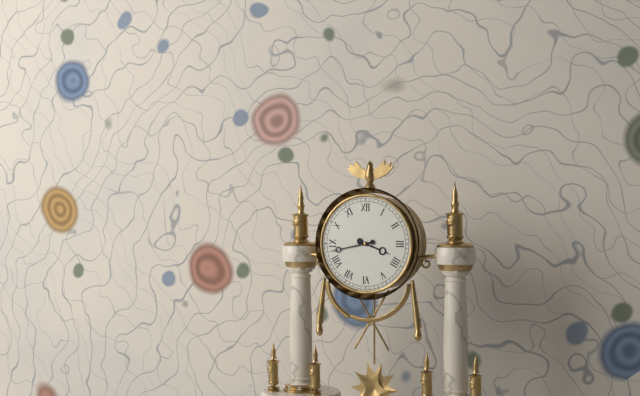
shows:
3,43
